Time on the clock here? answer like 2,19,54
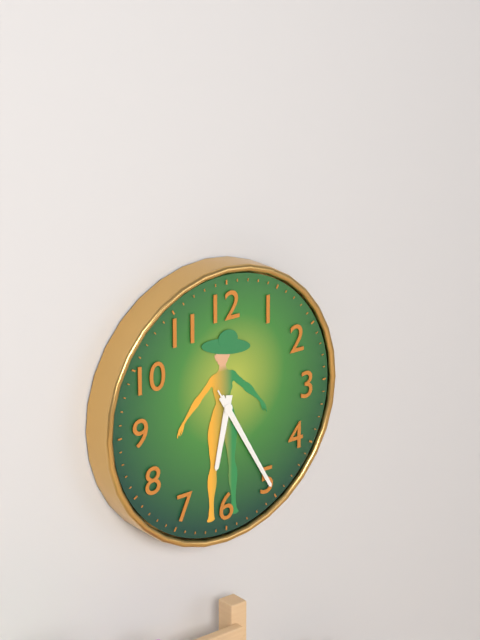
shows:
6,25,25
